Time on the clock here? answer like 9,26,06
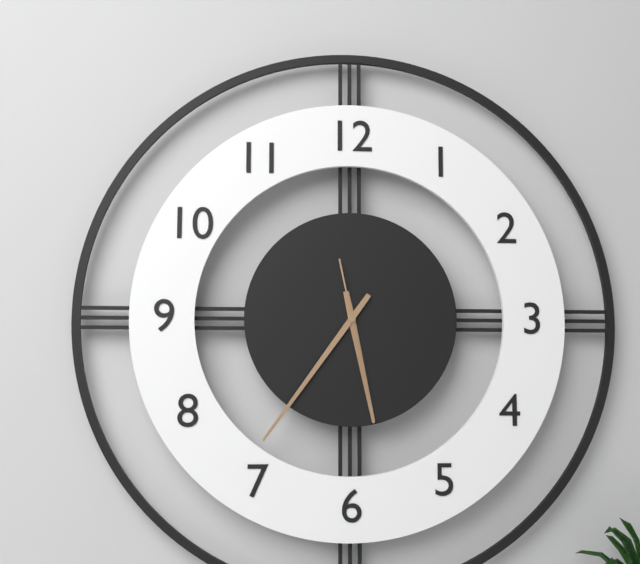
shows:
5,36,28
